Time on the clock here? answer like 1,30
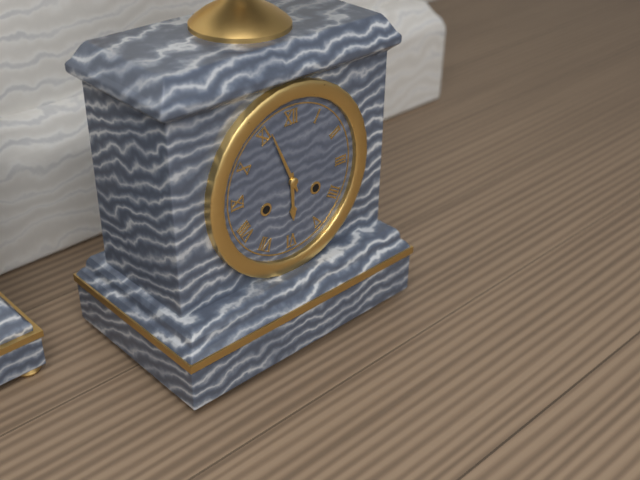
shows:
5,56
